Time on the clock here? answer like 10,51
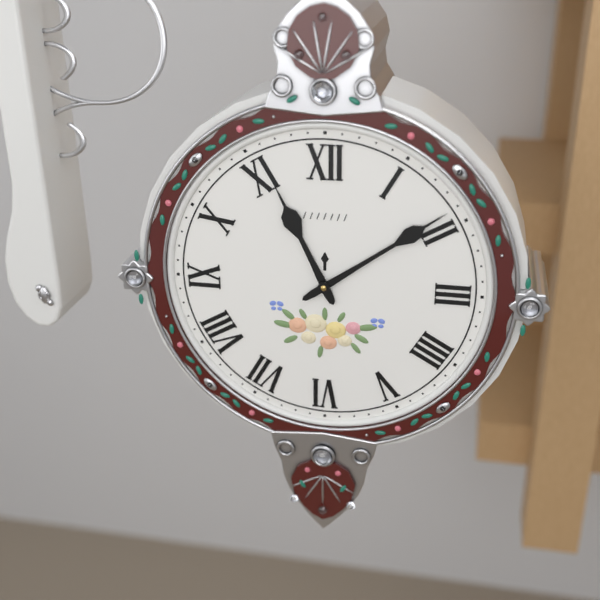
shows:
11,09
